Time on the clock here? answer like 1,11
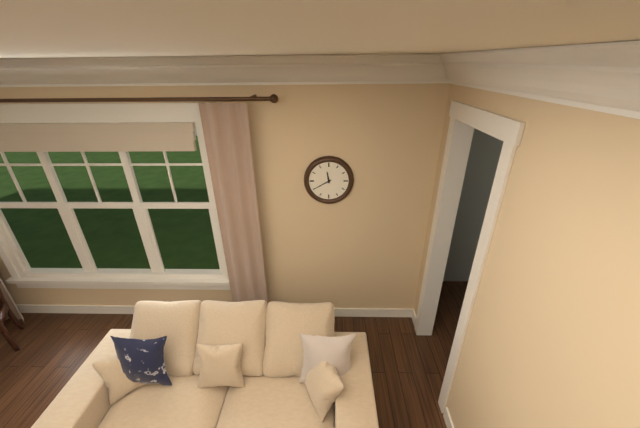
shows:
11,40
